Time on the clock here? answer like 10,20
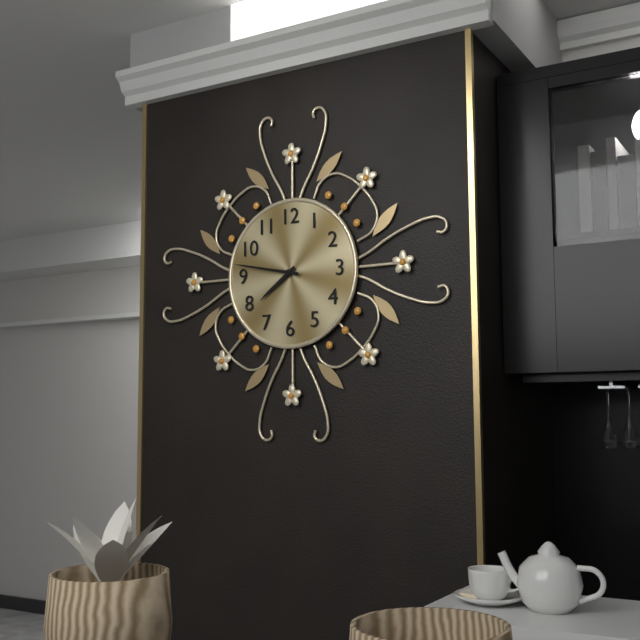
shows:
7,47
